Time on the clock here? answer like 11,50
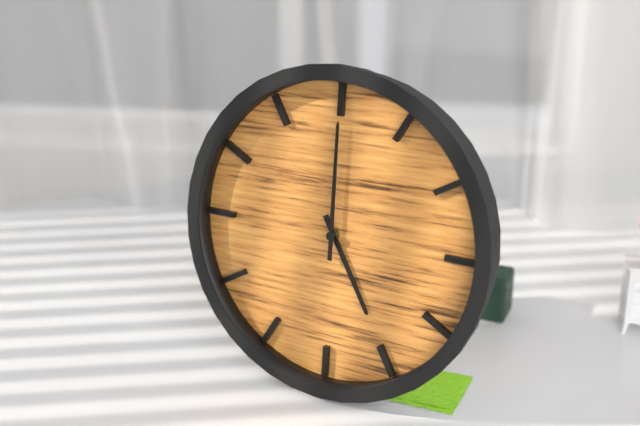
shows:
5,00
